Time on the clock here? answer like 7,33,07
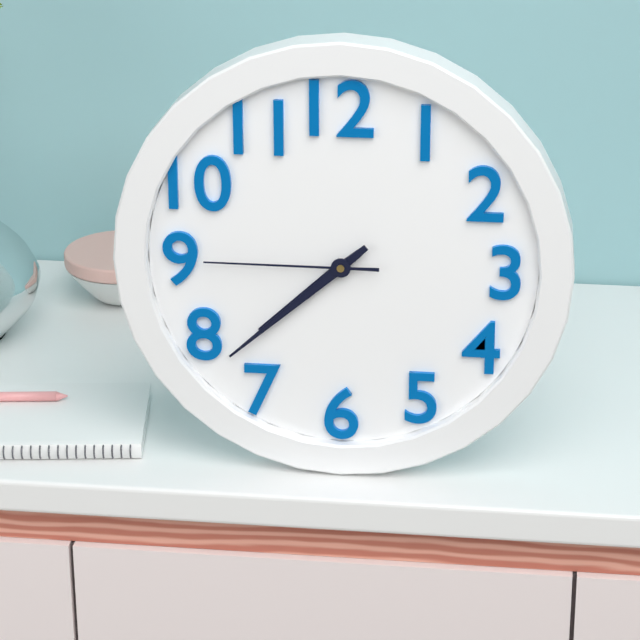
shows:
7,38,45
